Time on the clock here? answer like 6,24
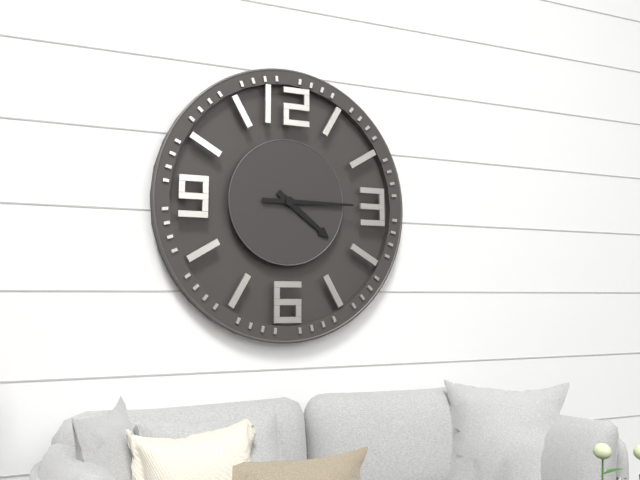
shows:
4,15
